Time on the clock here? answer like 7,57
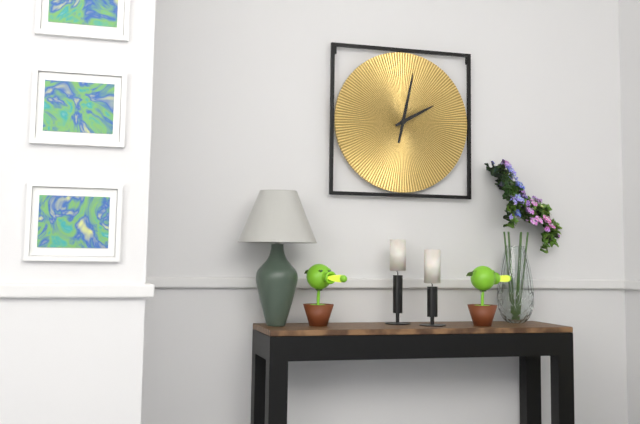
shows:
2,02
